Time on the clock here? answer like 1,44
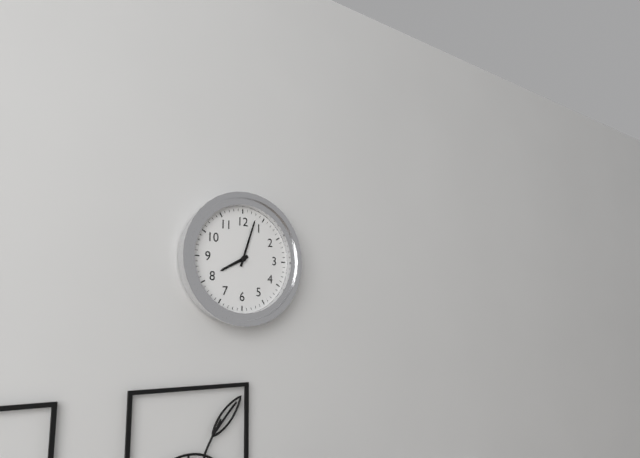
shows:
8,03
